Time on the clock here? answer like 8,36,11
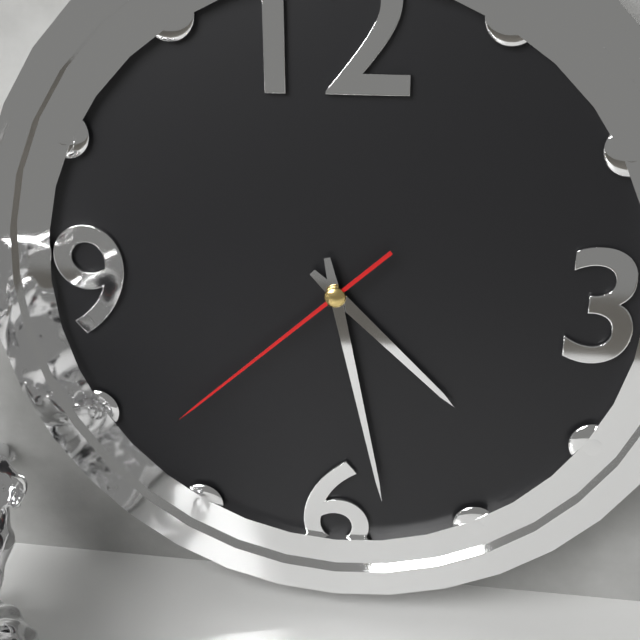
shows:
4,28,38
